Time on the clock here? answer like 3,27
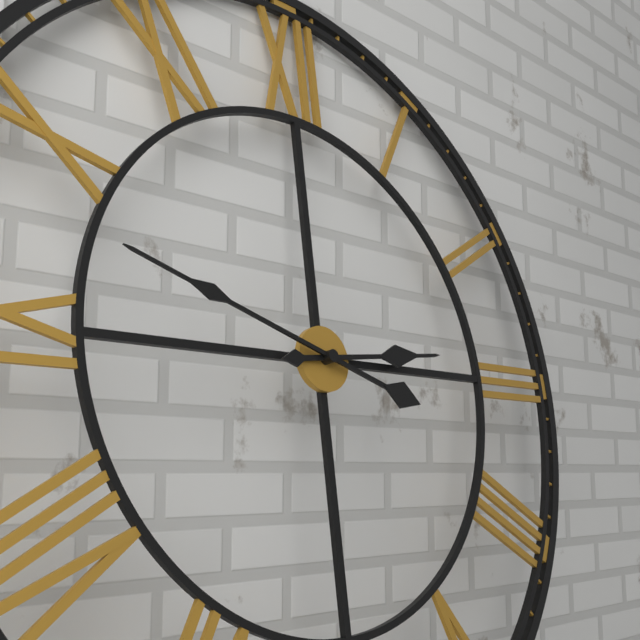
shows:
2,48
